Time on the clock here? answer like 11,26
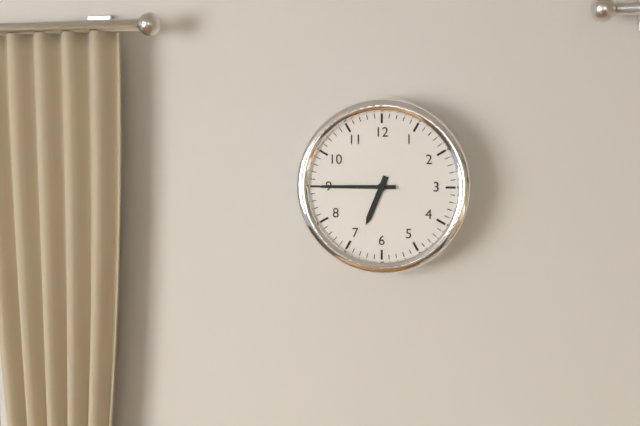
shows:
6,45
